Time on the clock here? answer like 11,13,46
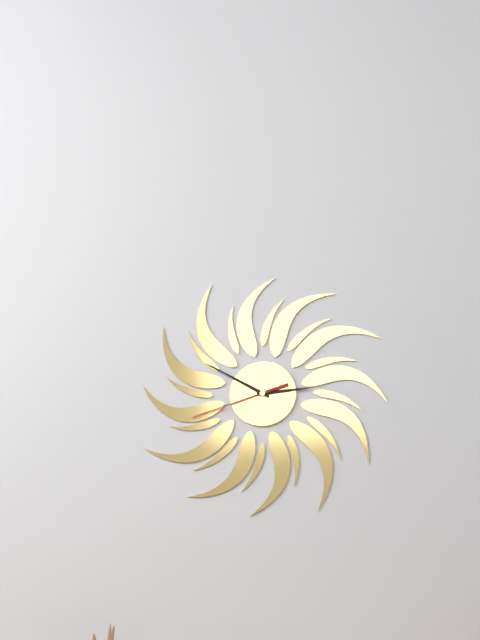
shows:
2,50,42
